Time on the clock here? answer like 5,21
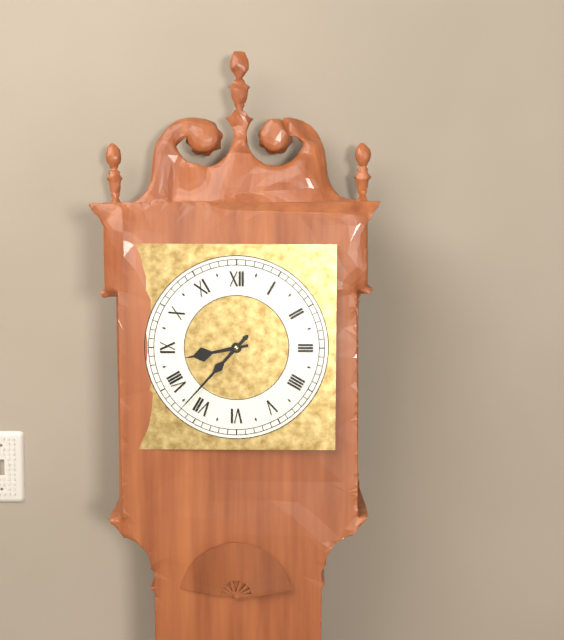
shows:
8,37
